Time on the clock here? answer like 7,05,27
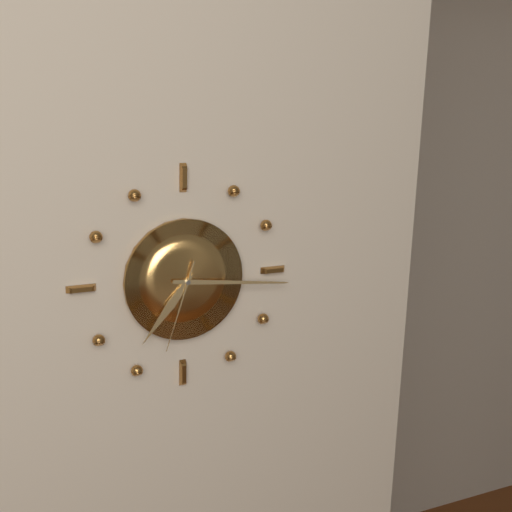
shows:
7,16,33
